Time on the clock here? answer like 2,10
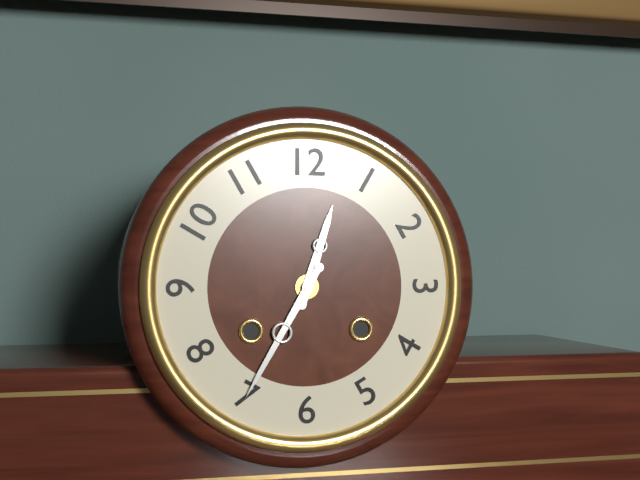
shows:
12,35
